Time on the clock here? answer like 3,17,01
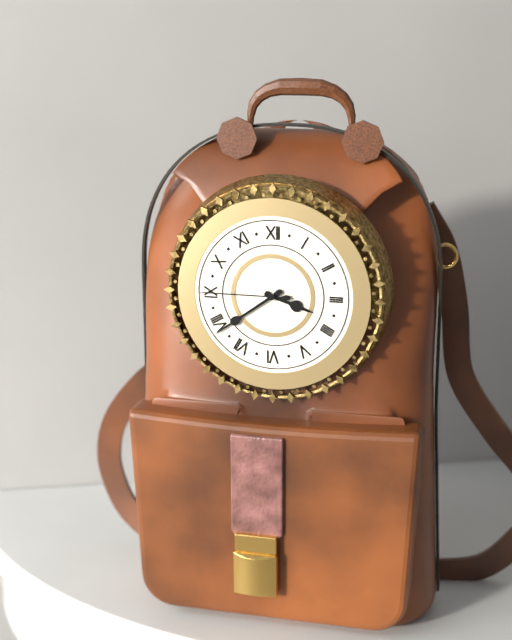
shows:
3,39,45
